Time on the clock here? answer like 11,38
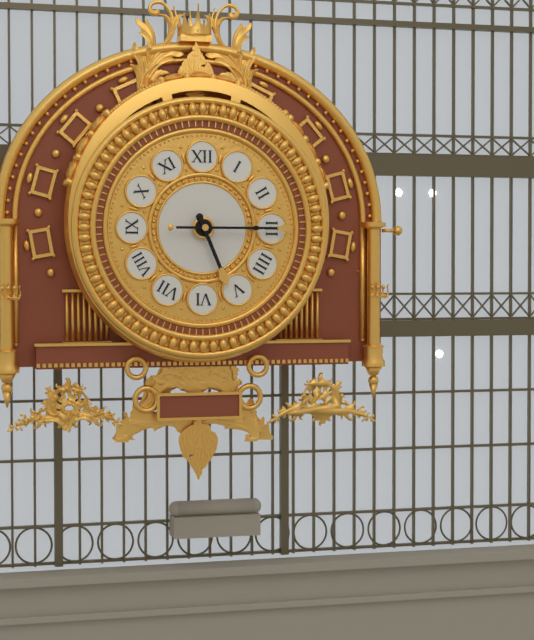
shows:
5,15
